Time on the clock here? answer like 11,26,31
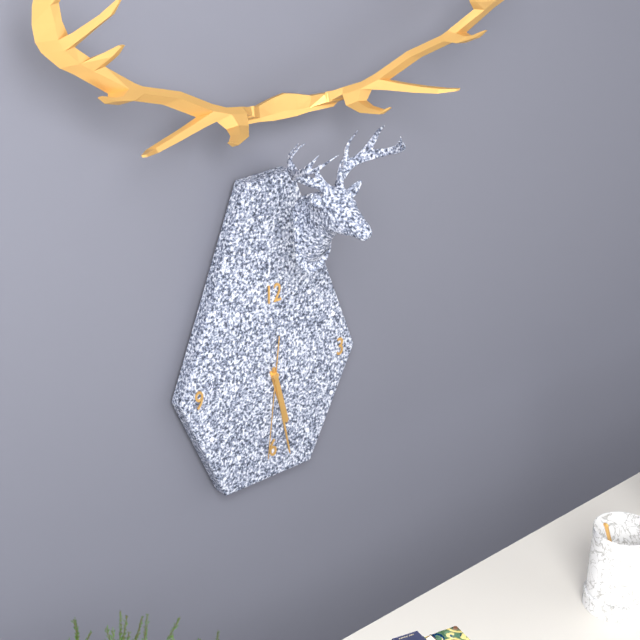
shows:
5,28,31
